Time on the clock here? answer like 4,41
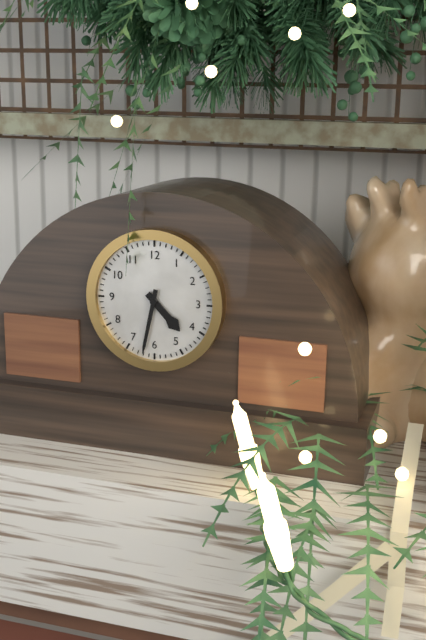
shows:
4,32
